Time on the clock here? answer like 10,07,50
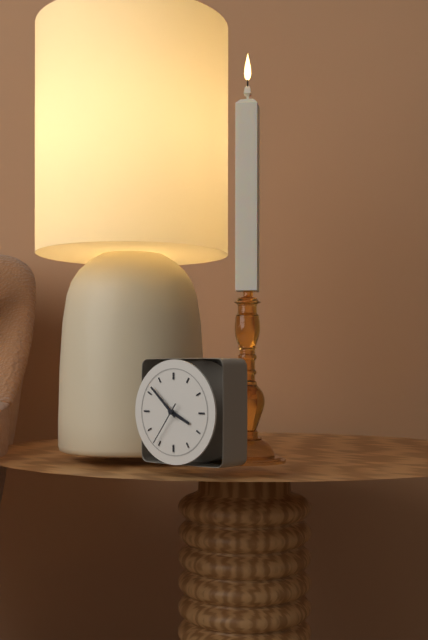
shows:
3,52,36
